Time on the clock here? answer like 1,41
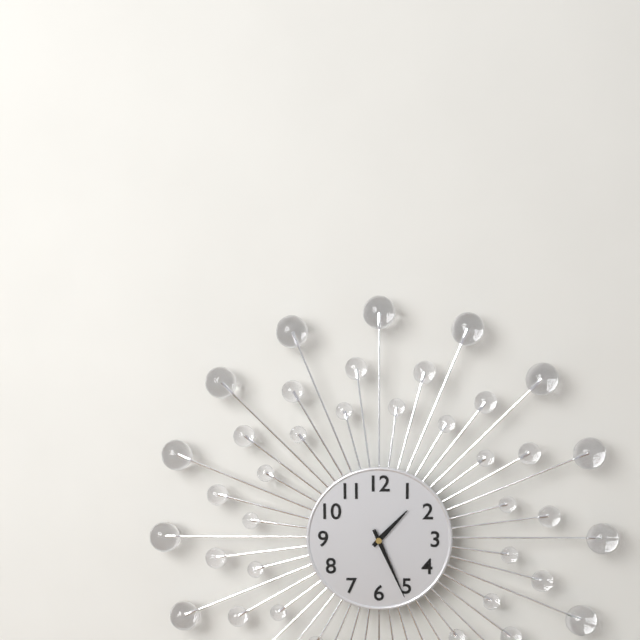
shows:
1,26
